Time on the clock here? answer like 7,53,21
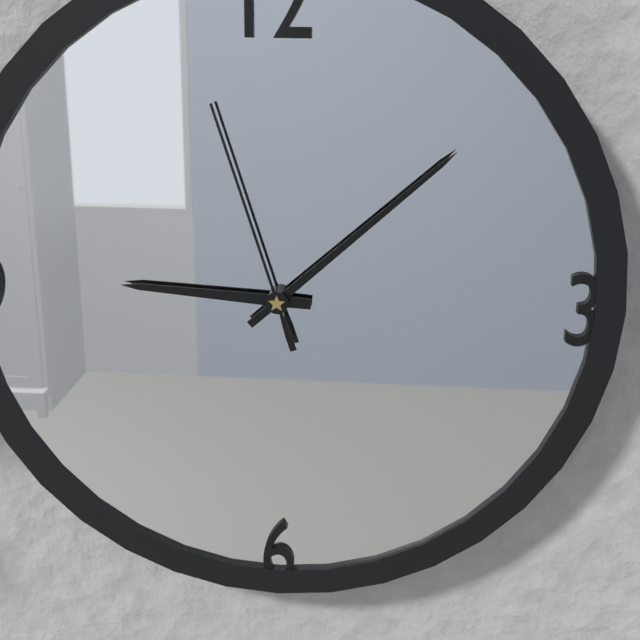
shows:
9,08,57
